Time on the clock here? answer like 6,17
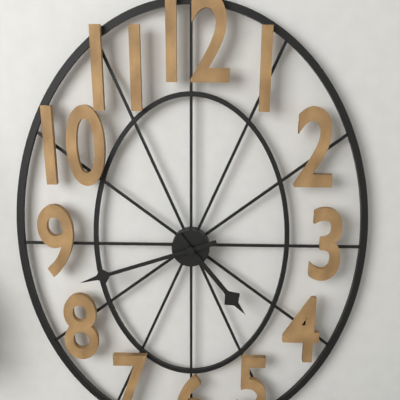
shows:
4,42
